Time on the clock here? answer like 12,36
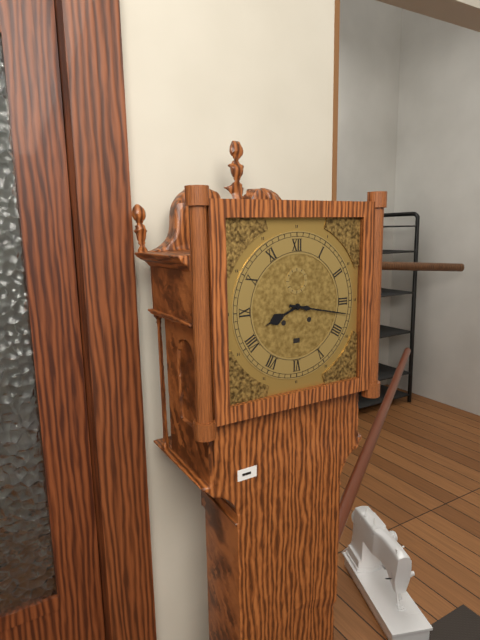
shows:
8,17
